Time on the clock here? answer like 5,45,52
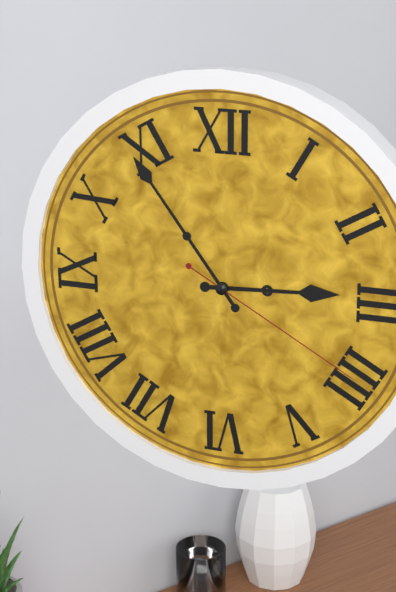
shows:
2,54,20
